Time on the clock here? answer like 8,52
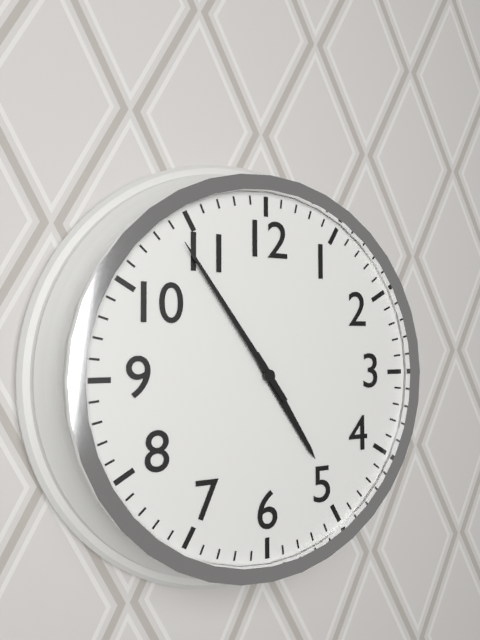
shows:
4,54
